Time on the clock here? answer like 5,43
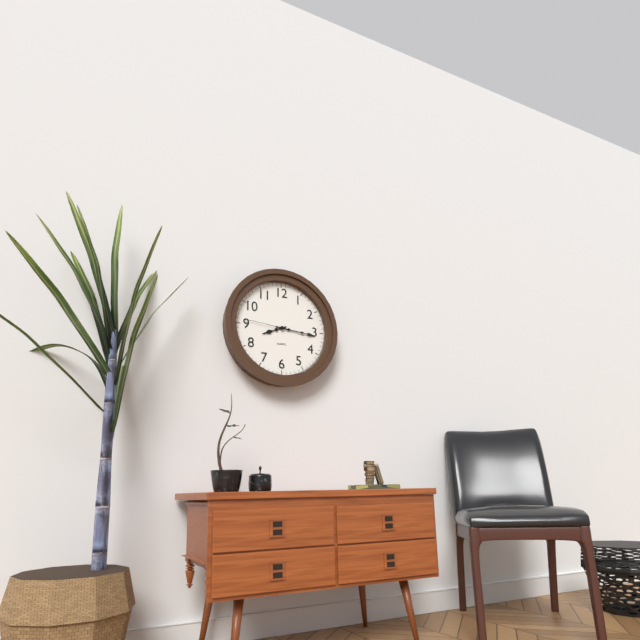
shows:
8,16
